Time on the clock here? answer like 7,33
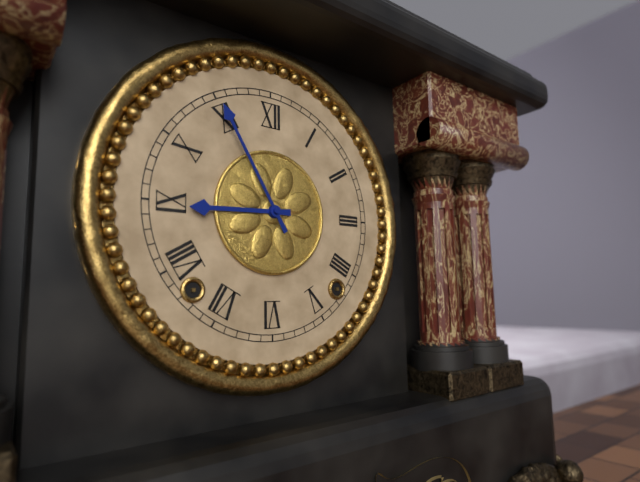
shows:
8,55
